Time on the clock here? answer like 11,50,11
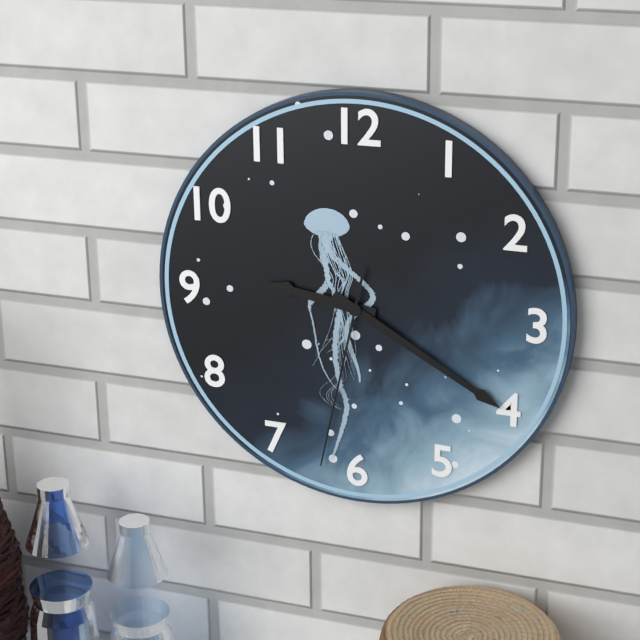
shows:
9,20,32
